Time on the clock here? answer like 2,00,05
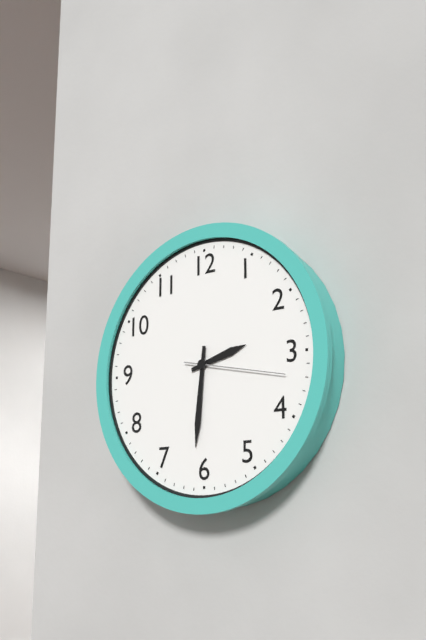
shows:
2,31,17
